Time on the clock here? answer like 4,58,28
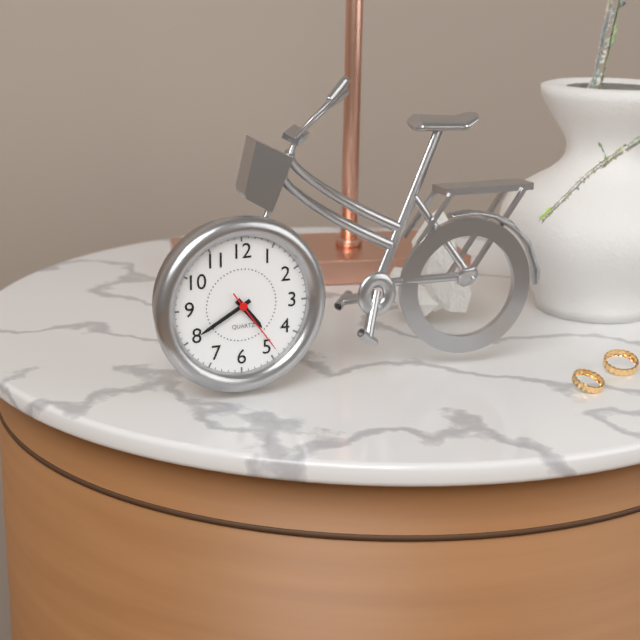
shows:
4,40,24
